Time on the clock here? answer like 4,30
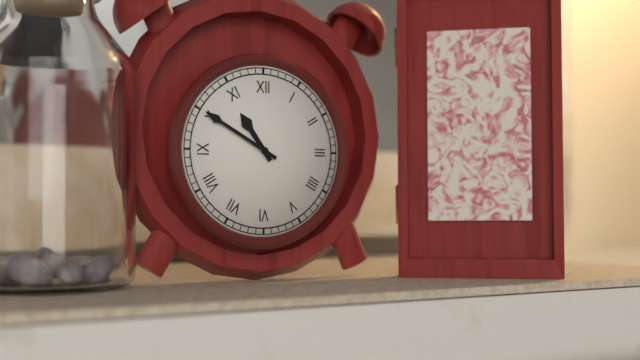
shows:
10,50
